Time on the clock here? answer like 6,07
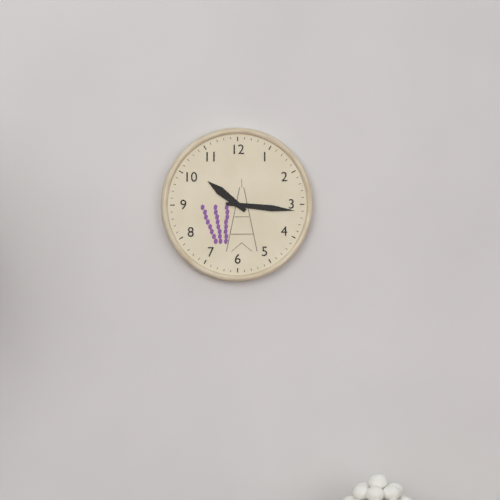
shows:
10,16
